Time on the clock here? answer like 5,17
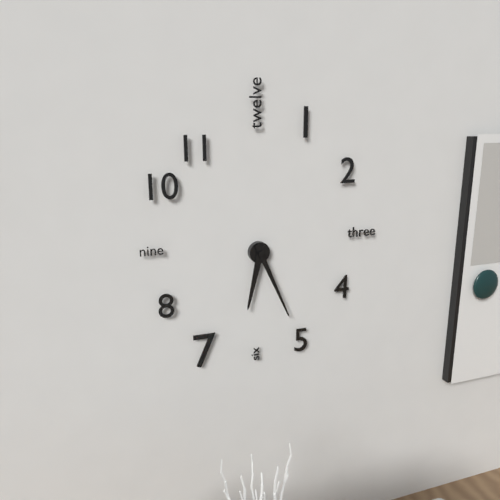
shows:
6,26
